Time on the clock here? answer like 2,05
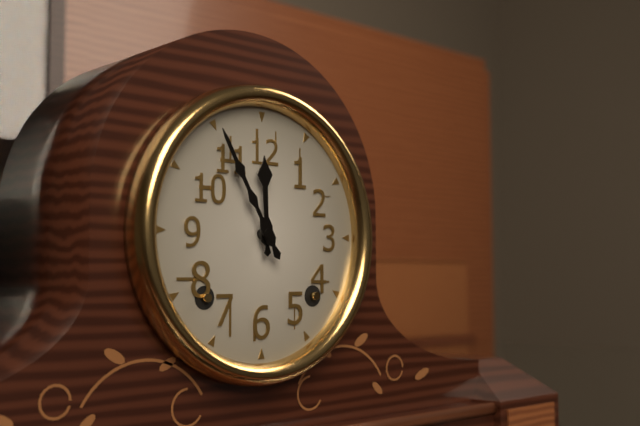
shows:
11,55
